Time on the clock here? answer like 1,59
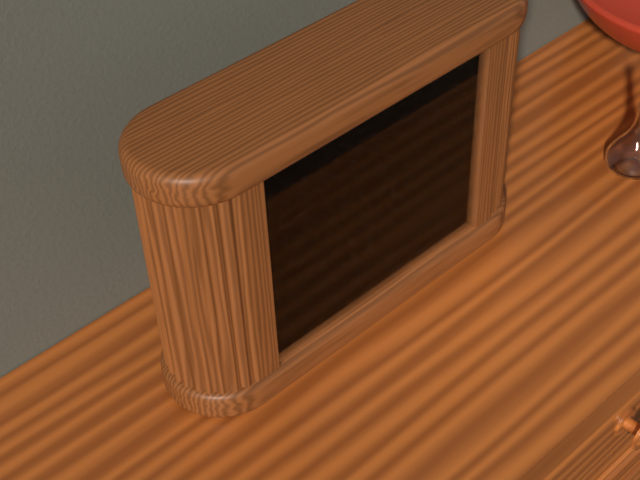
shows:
4,06
